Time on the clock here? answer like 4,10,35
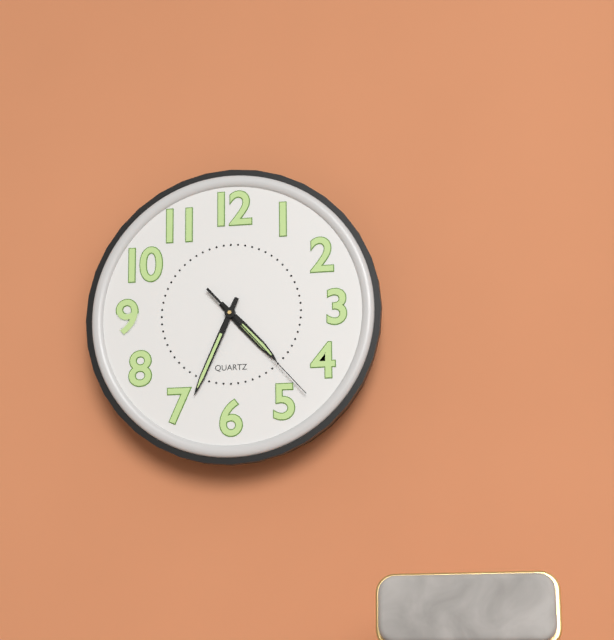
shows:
4,34,23
